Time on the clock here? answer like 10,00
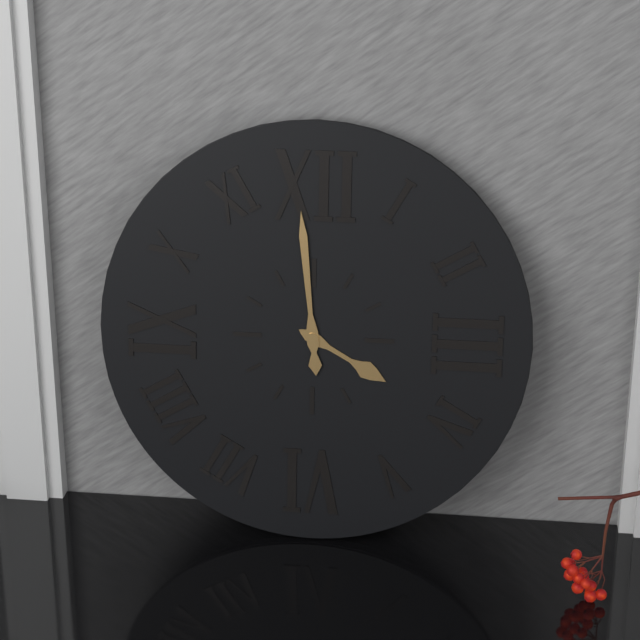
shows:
3,59
